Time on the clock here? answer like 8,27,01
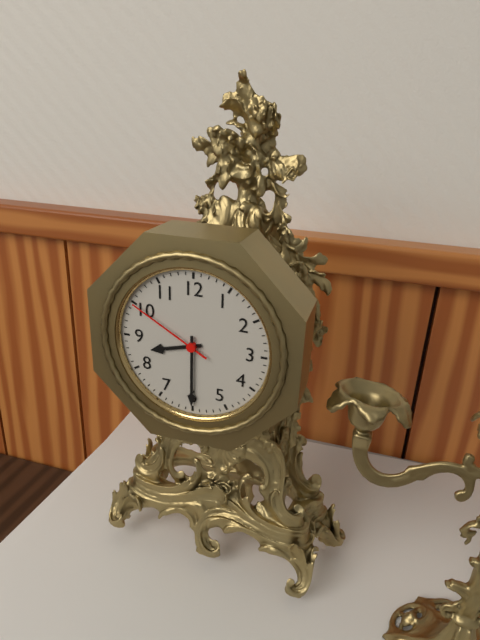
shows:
8,30,50
